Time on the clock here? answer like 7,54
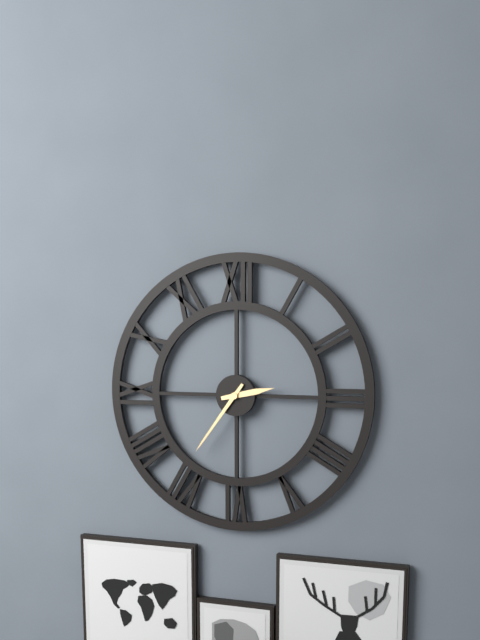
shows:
2,36
